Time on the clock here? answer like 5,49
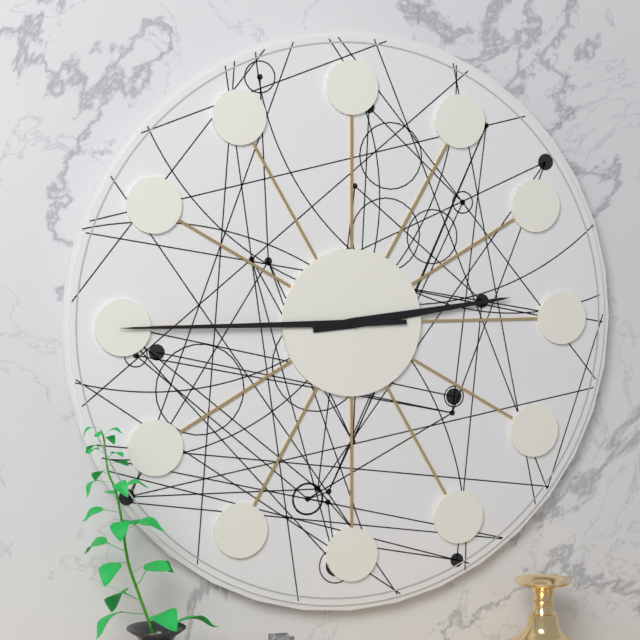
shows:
2,45
